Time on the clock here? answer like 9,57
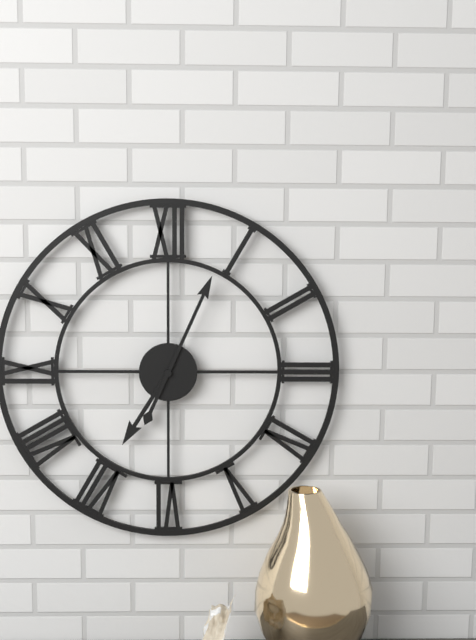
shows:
7,04
